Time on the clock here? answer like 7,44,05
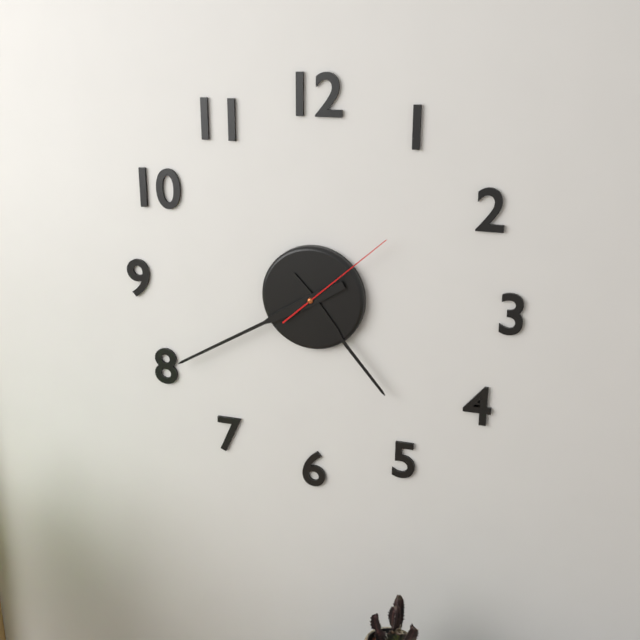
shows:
4,40,08
